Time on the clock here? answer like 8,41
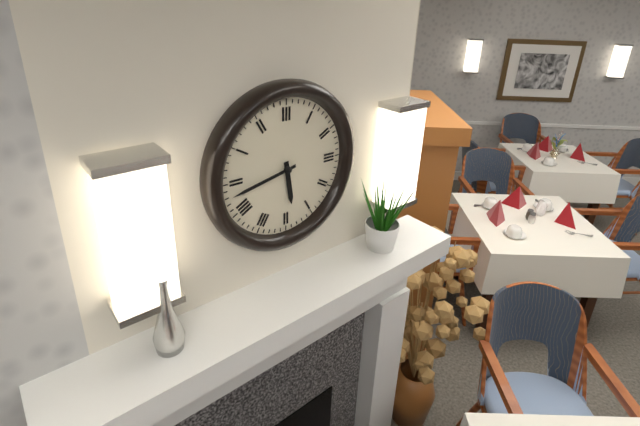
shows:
5,43
